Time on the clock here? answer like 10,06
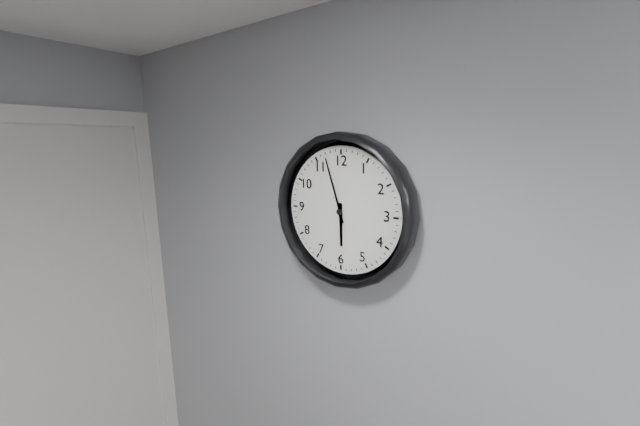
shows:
5,57
